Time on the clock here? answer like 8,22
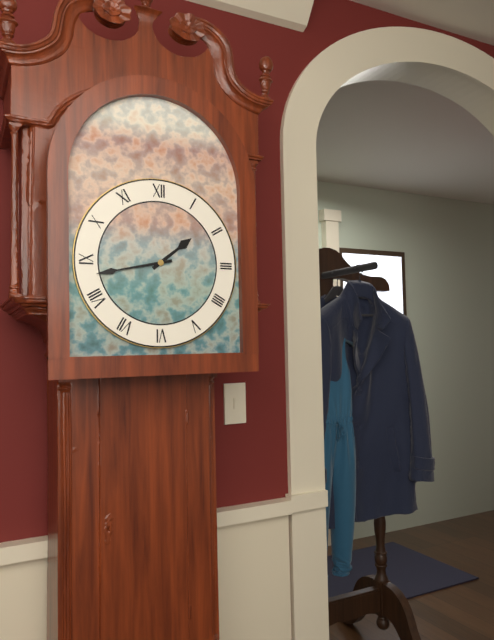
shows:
1,43
